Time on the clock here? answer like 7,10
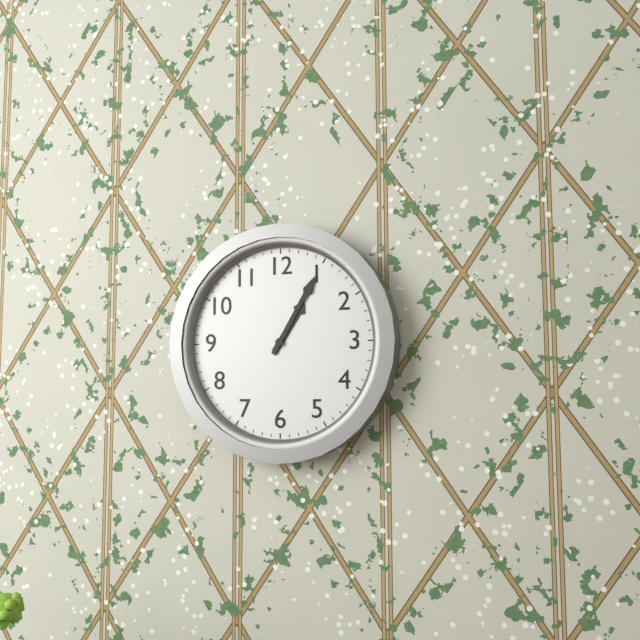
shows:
1,05
